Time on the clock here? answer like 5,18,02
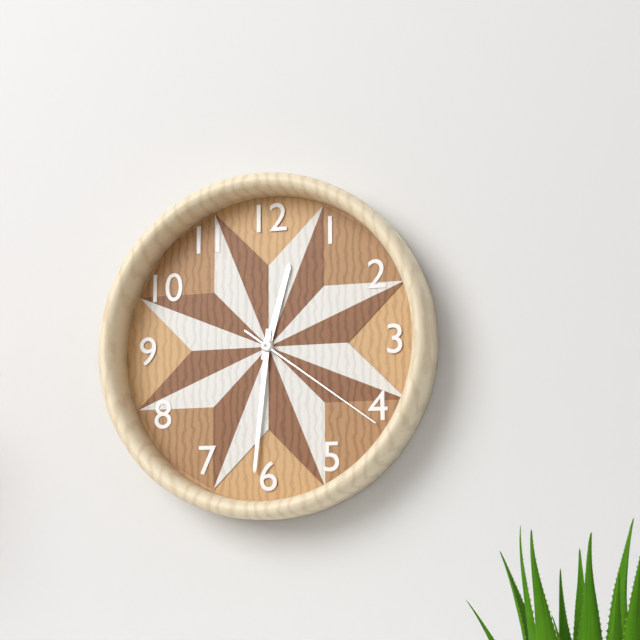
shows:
12,31,21
